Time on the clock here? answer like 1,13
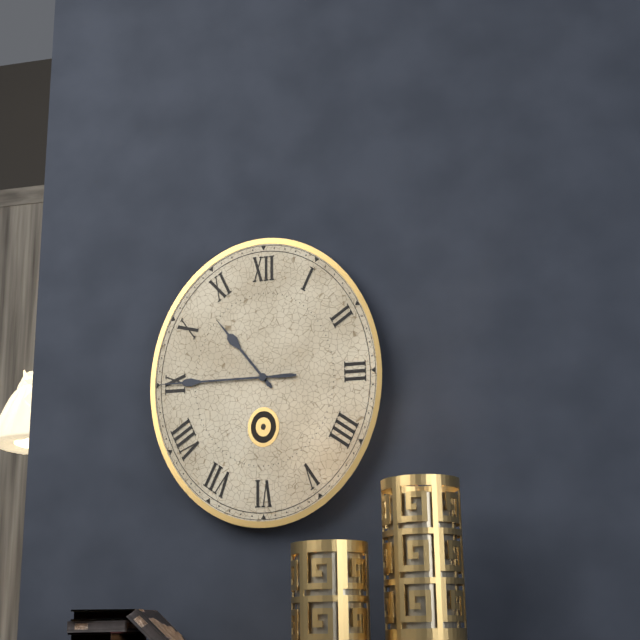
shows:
10,45
